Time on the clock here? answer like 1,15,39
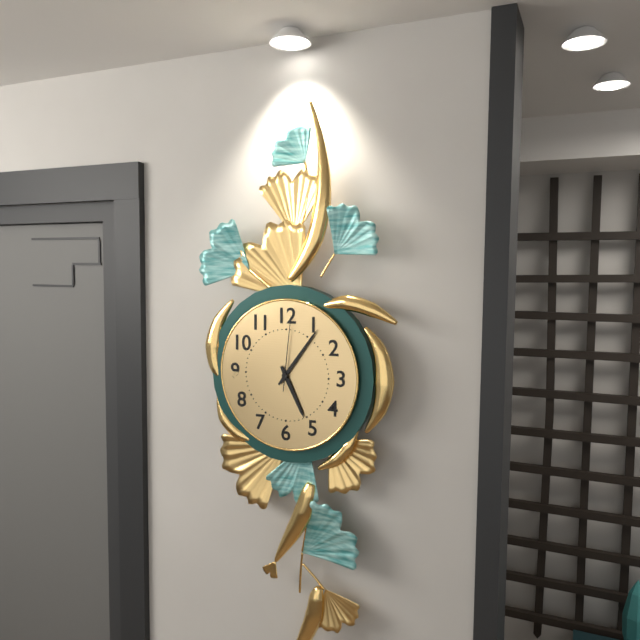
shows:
5,06,01
